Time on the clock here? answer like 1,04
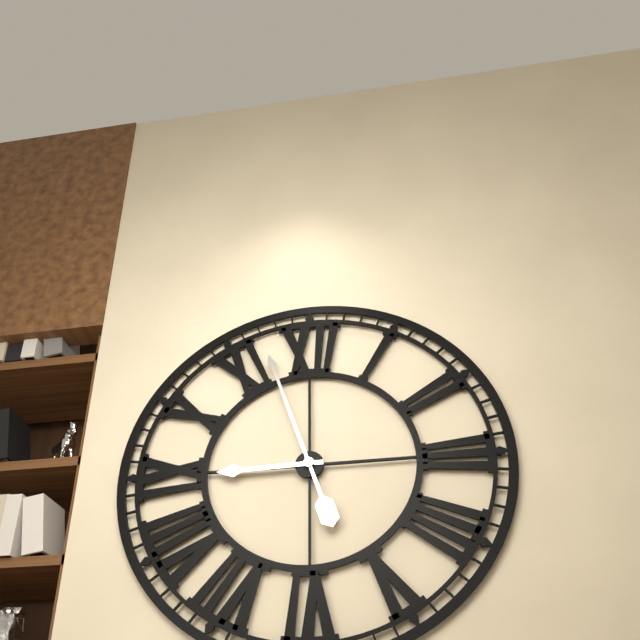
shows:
8,57
